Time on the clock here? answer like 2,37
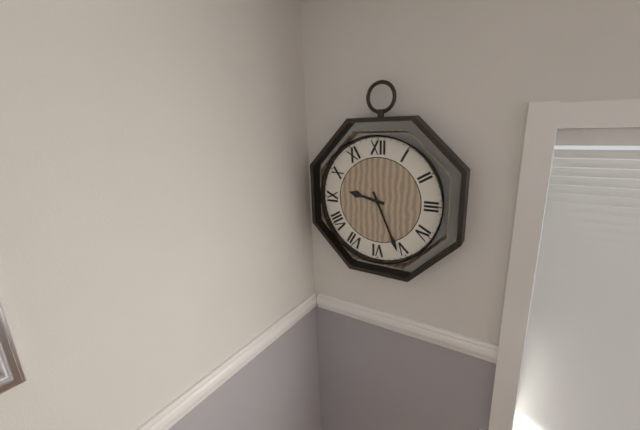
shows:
9,26
